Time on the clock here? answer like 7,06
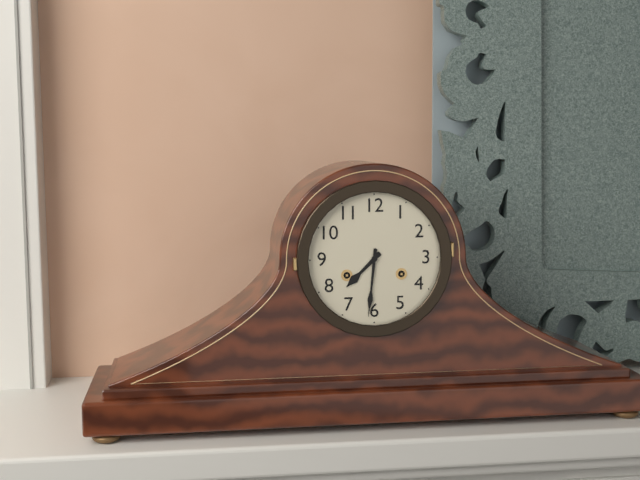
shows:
7,31
